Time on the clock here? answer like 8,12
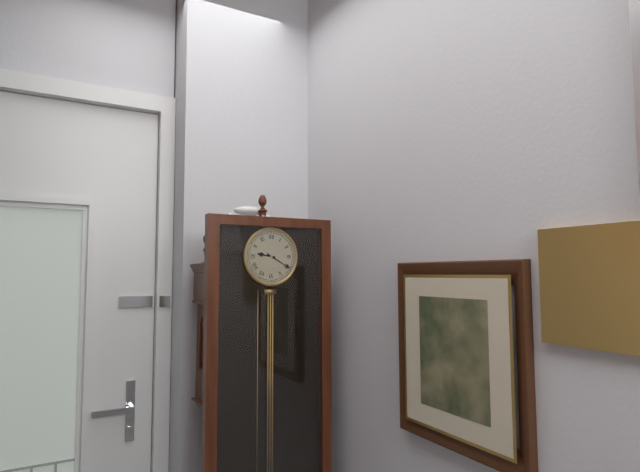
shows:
9,20
